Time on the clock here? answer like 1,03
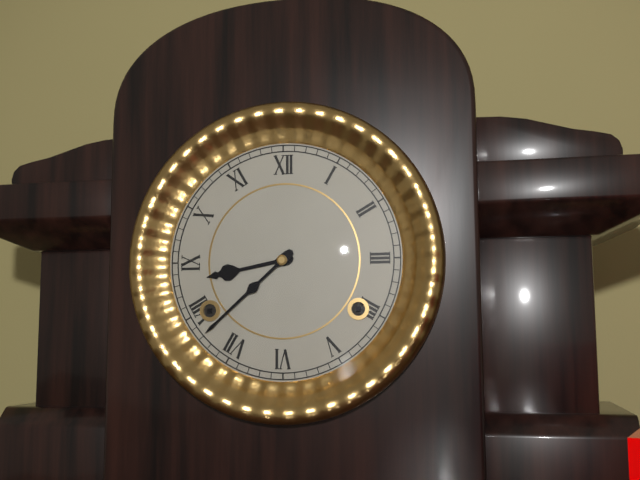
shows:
8,38
